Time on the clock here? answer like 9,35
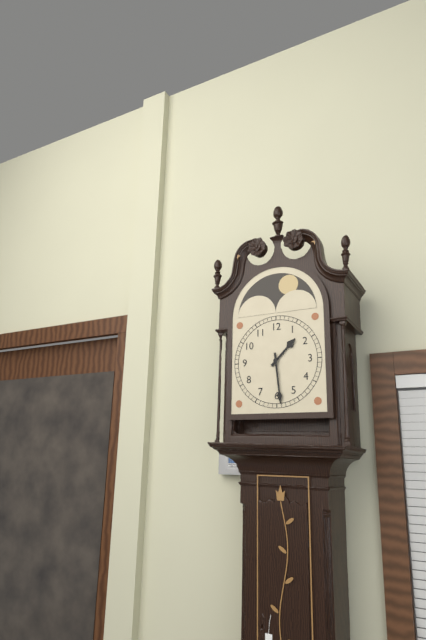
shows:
1,29
